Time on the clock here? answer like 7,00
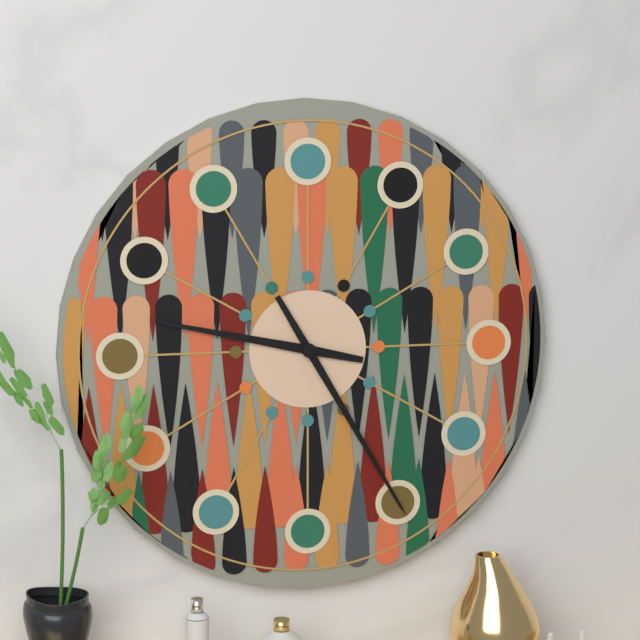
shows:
9,25
